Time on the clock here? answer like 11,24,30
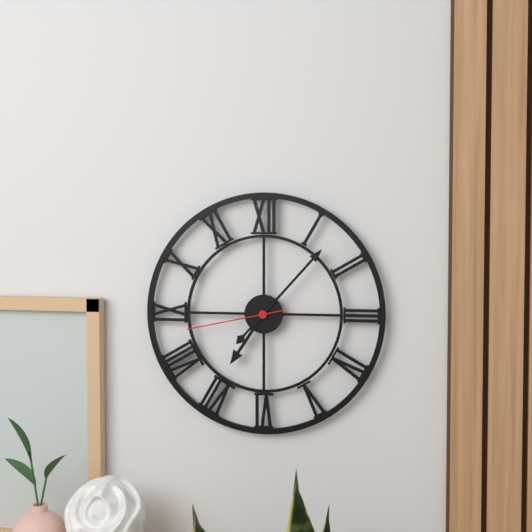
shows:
7,07,43
